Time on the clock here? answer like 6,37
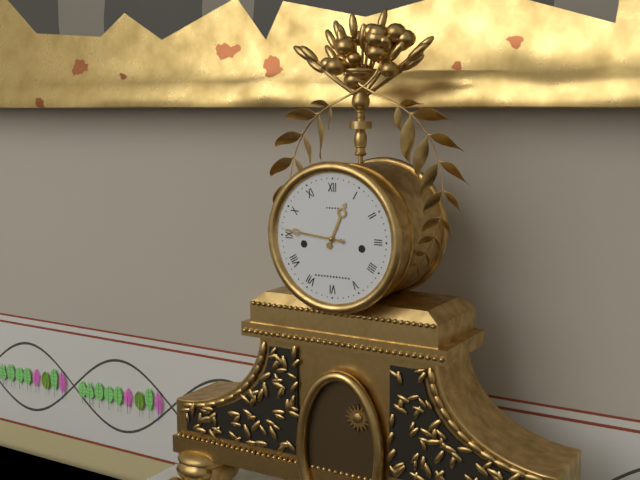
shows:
12,46
